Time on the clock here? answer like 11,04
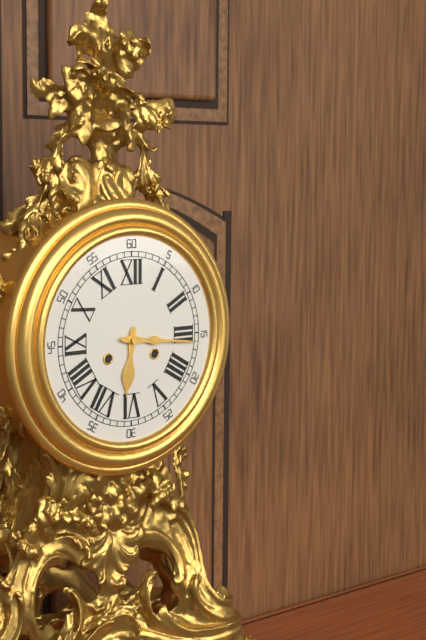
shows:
6,16
